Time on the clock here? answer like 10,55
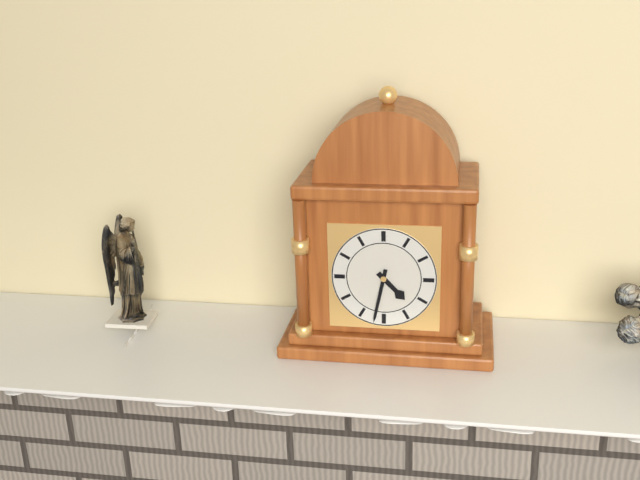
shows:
4,32
